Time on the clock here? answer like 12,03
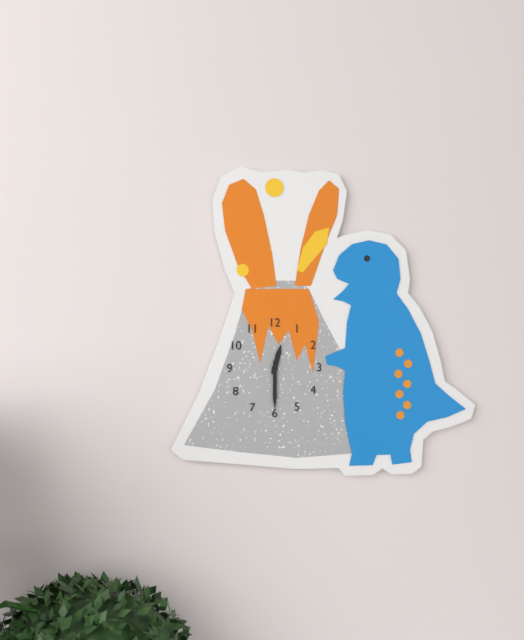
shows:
12,30
